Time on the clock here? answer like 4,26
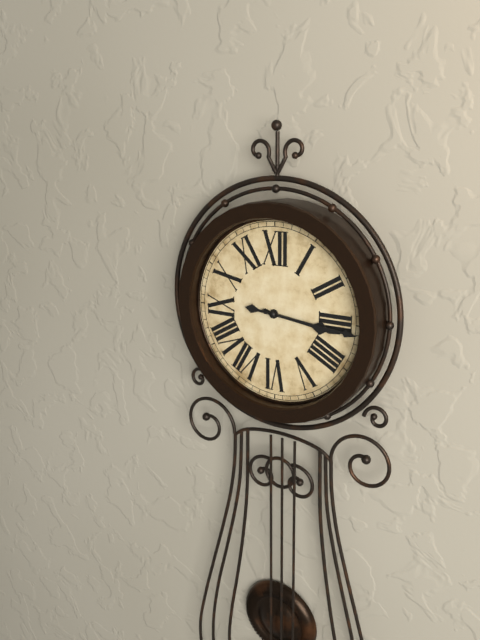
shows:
3,16
